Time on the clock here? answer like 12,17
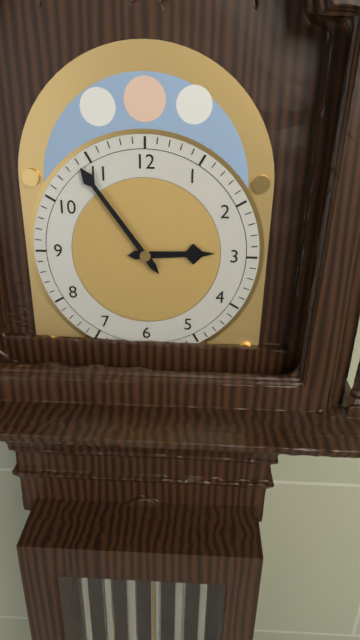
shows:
2,54
